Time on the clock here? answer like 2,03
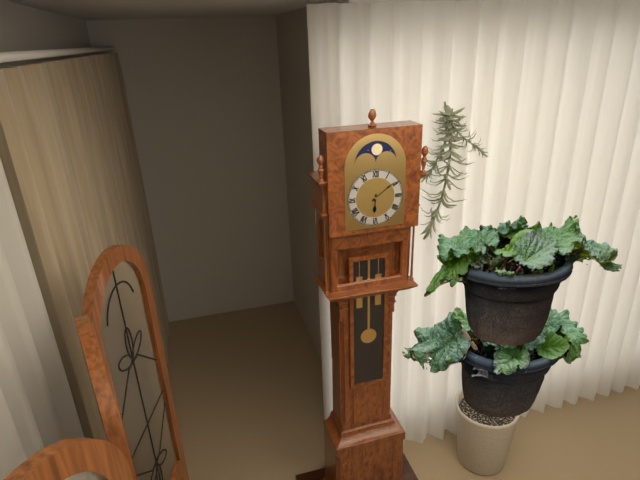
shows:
6,09
